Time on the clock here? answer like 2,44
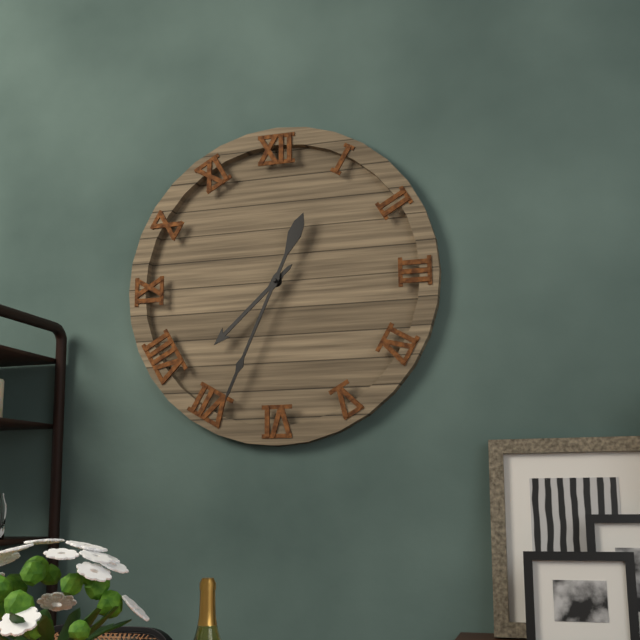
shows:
7,34
